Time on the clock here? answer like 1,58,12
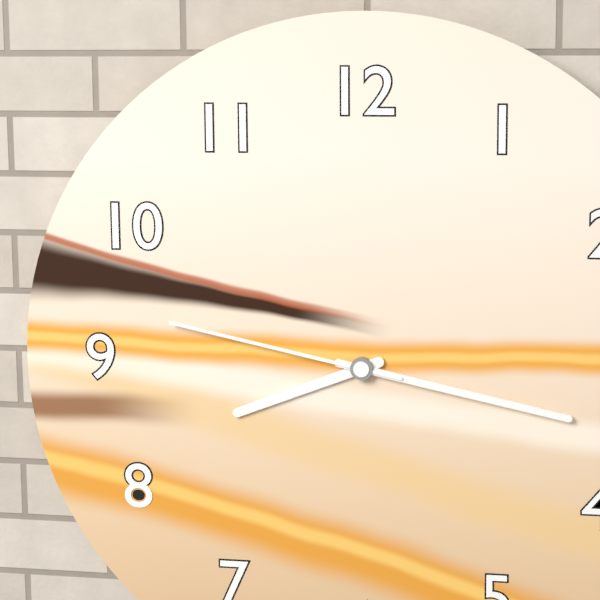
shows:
8,17,47
